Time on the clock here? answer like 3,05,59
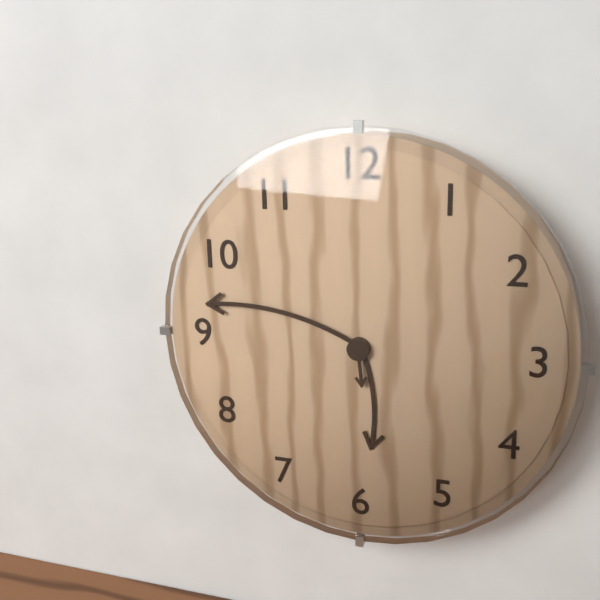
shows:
5,47,29
